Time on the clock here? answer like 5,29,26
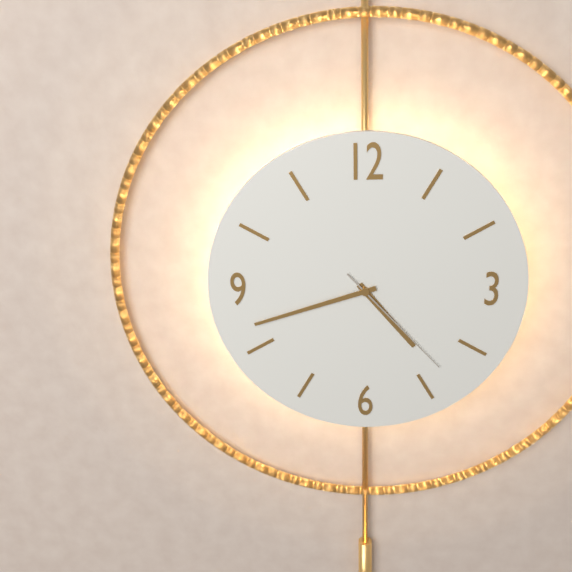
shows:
4,42,23
